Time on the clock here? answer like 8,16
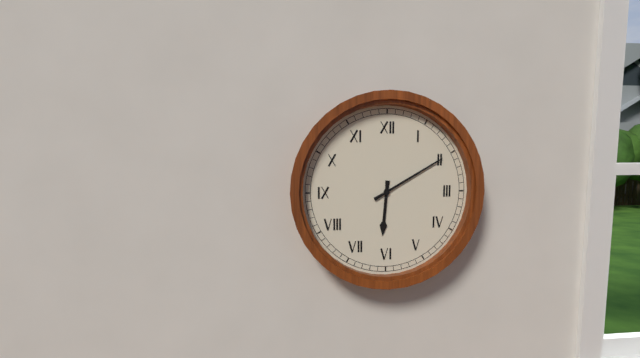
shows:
6,10
